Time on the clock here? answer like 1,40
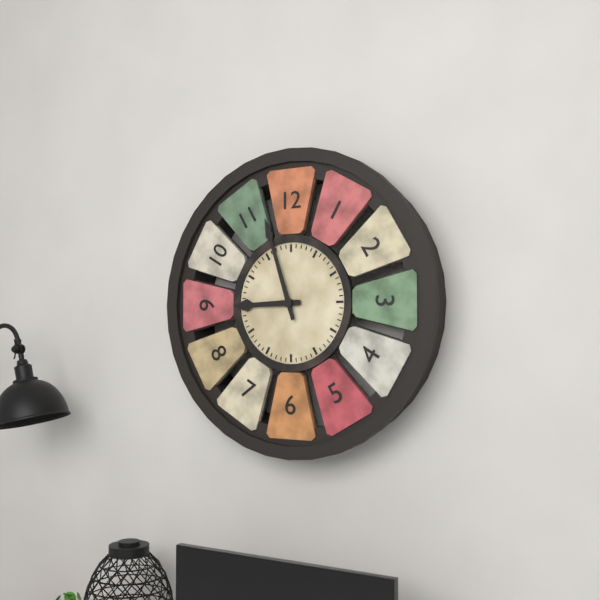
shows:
8,57
